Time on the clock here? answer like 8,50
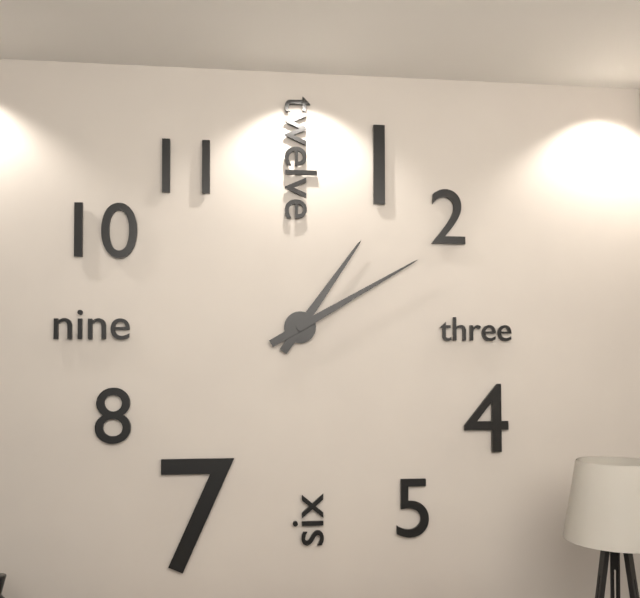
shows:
1,10
